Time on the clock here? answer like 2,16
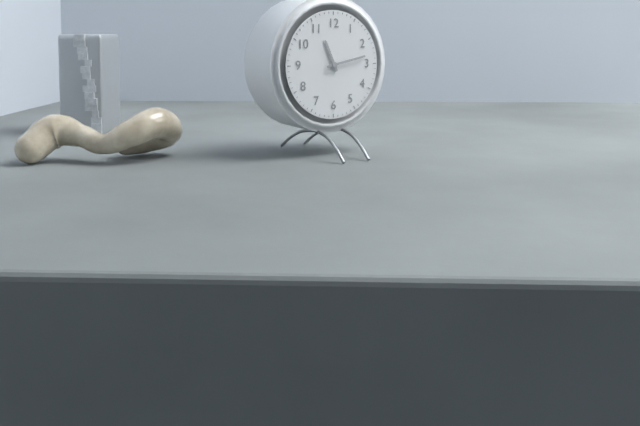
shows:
11,13
